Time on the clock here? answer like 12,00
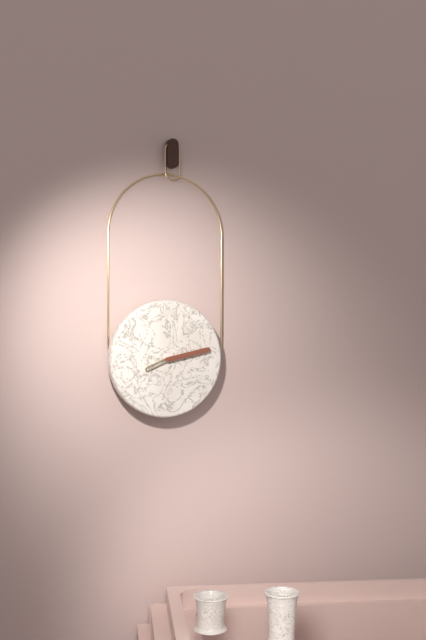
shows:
8,13
